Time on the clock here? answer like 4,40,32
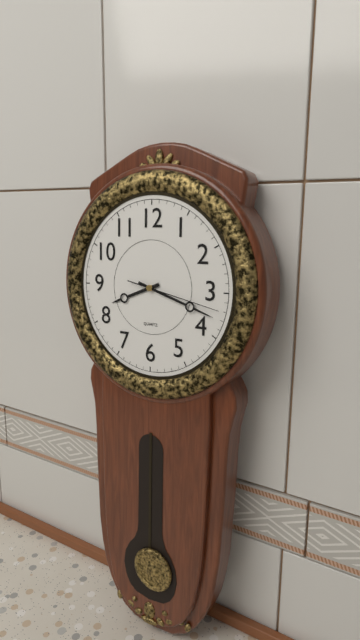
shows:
8,18,17
